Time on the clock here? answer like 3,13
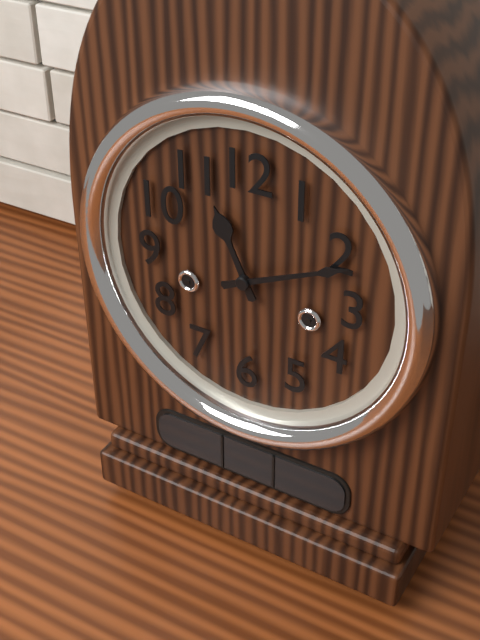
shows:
11,11
